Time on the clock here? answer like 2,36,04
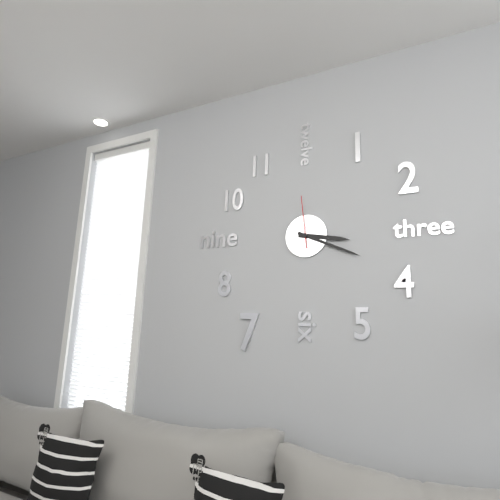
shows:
3,19,59
